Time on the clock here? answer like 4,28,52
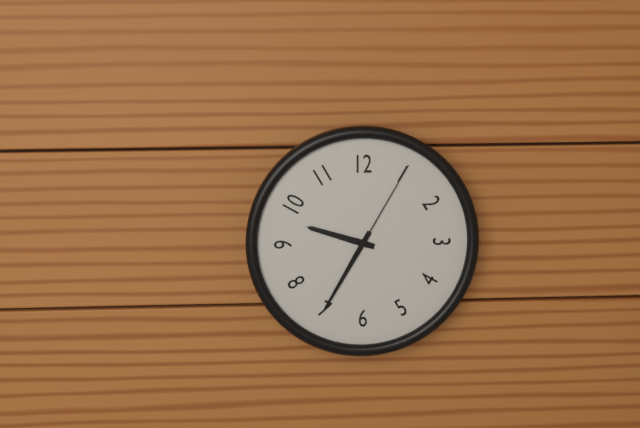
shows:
9,35,05
